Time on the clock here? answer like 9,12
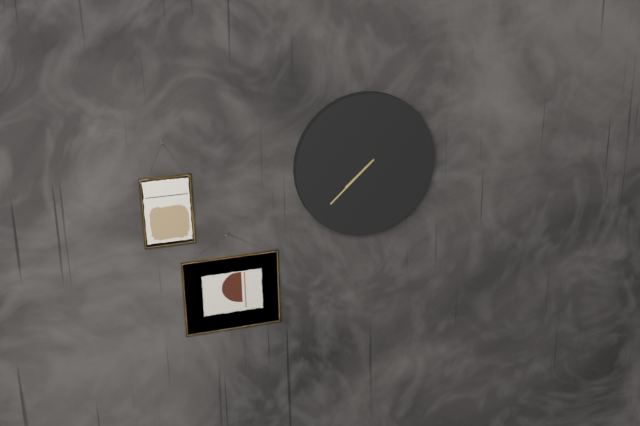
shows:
7,38
